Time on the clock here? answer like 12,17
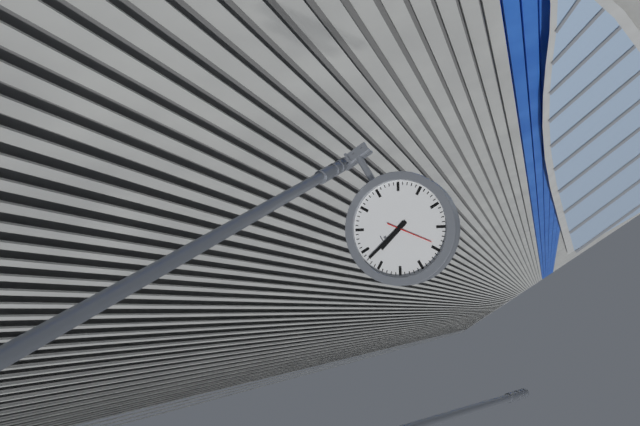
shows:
5,28
